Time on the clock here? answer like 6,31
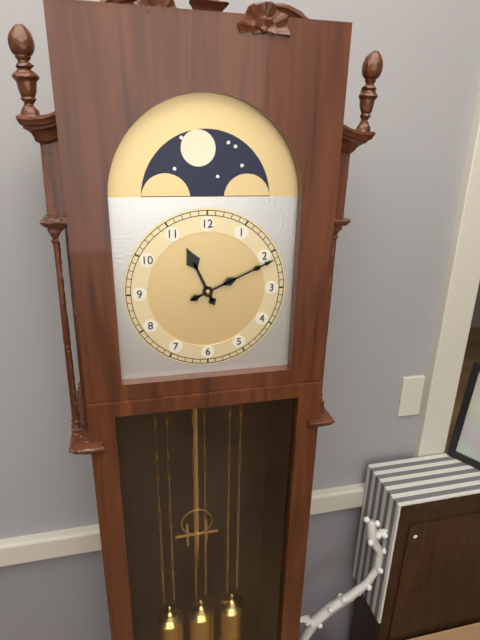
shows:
11,11
